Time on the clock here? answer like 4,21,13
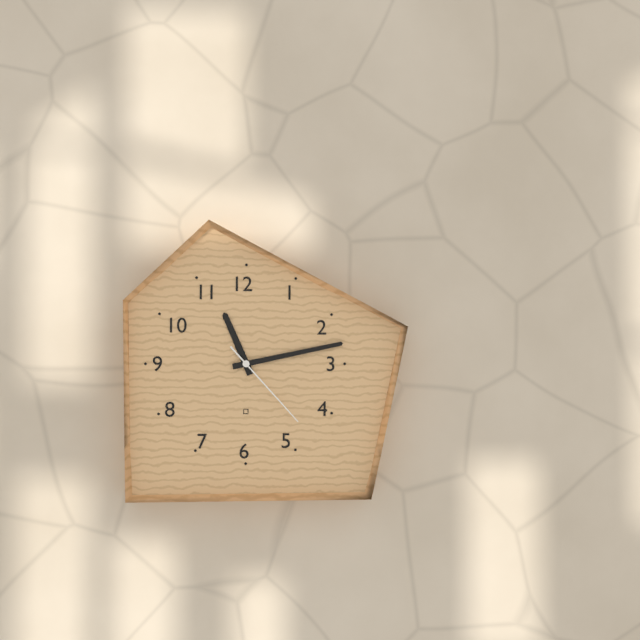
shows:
11,13,23
